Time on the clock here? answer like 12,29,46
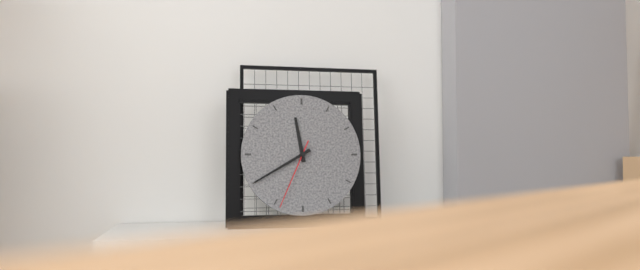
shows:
11,40,34
